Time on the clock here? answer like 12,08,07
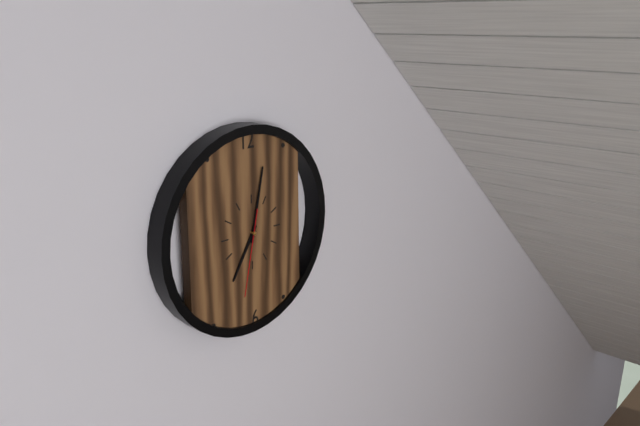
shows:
7,02,32
